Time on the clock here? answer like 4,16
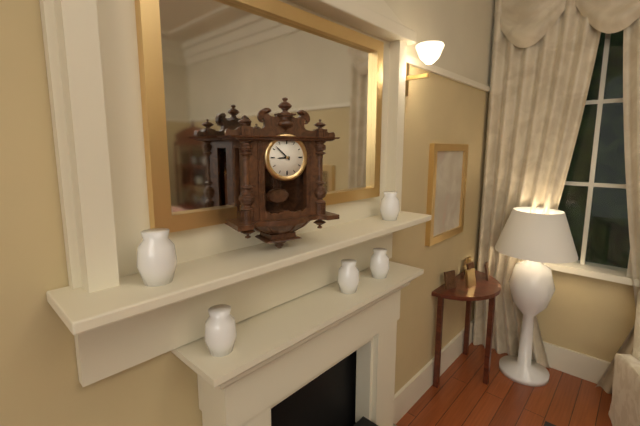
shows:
8,52
